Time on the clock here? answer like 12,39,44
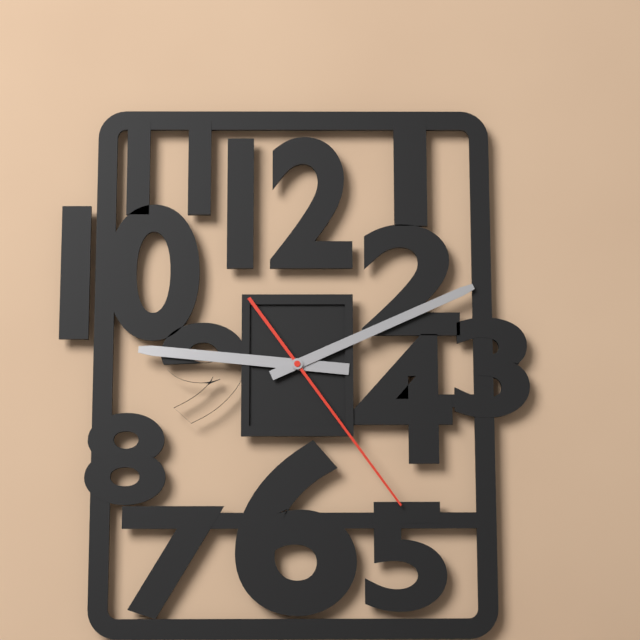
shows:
9,11,24
